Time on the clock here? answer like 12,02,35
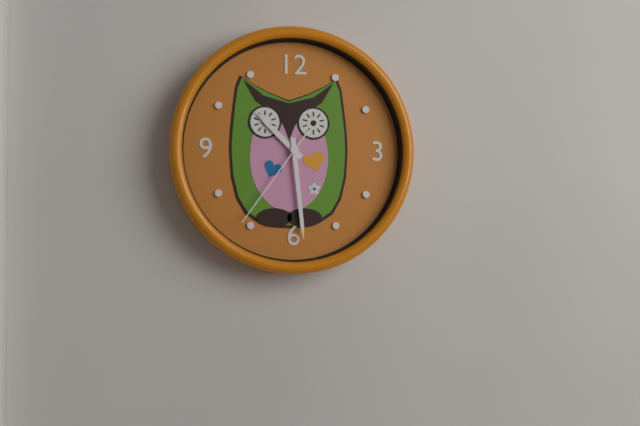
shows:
10,29,36
